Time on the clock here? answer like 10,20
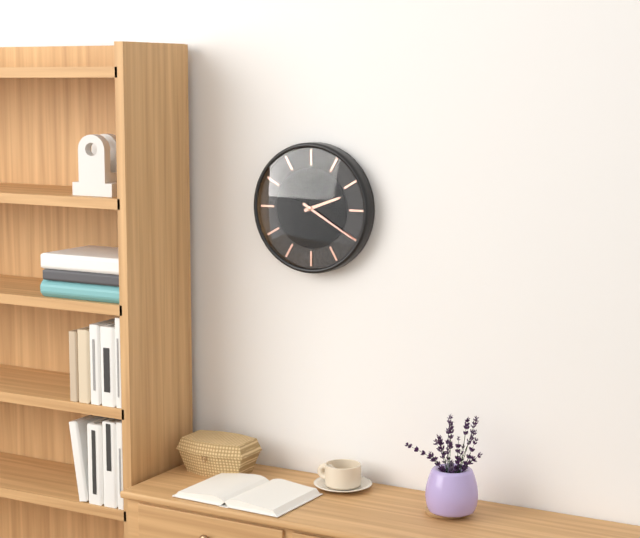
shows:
2,20
